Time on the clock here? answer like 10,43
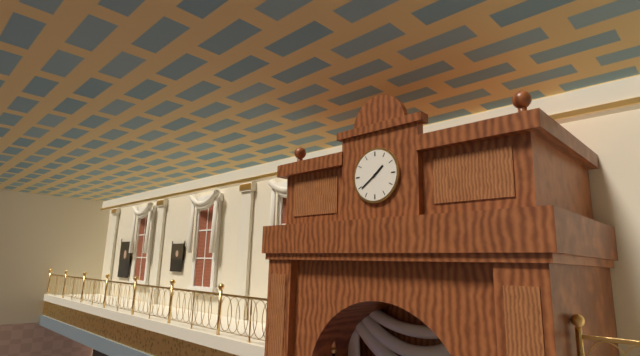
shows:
1,39
